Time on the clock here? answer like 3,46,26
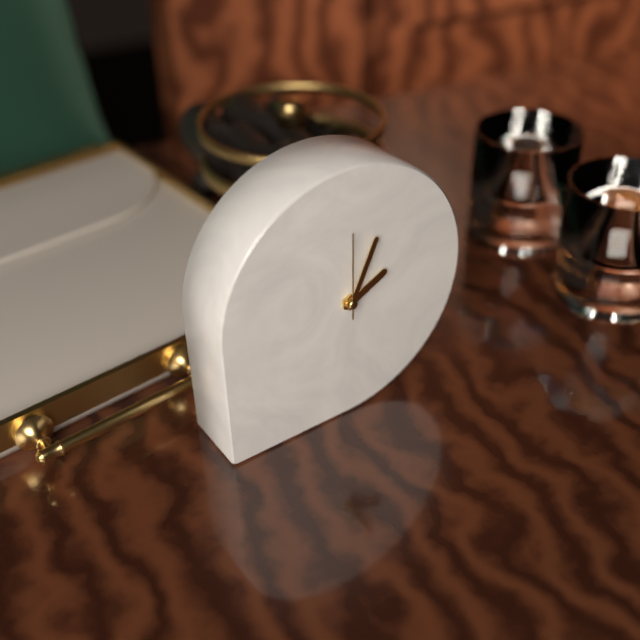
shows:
2,04,00
